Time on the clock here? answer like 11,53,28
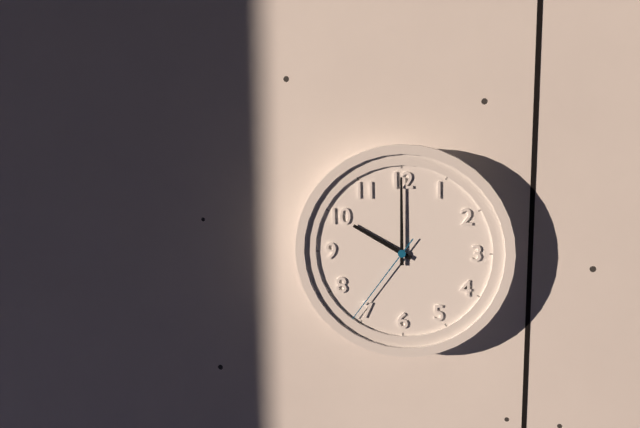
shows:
10,00,36
